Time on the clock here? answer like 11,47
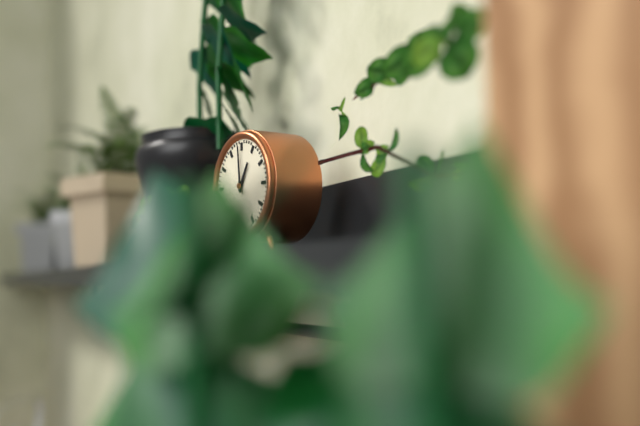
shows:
12,59
